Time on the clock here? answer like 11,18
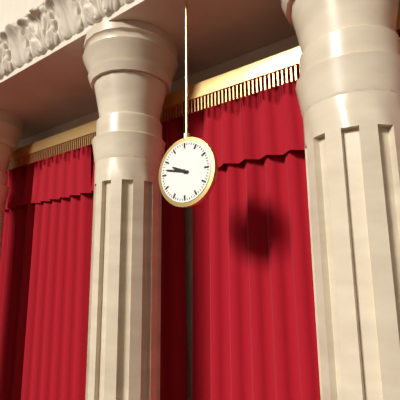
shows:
9,47
